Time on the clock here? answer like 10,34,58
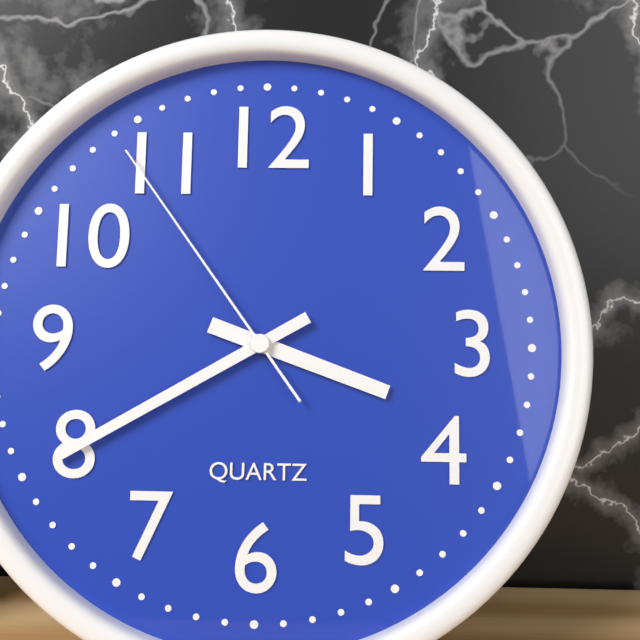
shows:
3,40,54
